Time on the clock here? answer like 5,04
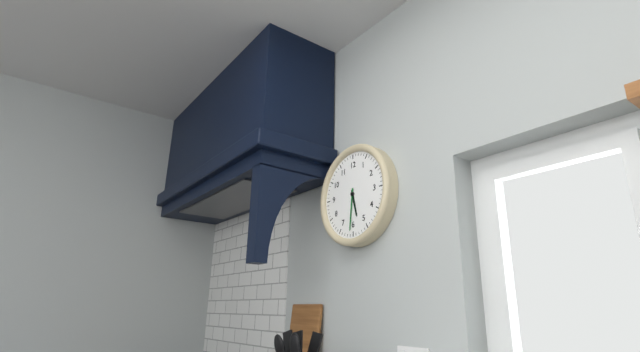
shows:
5,31
